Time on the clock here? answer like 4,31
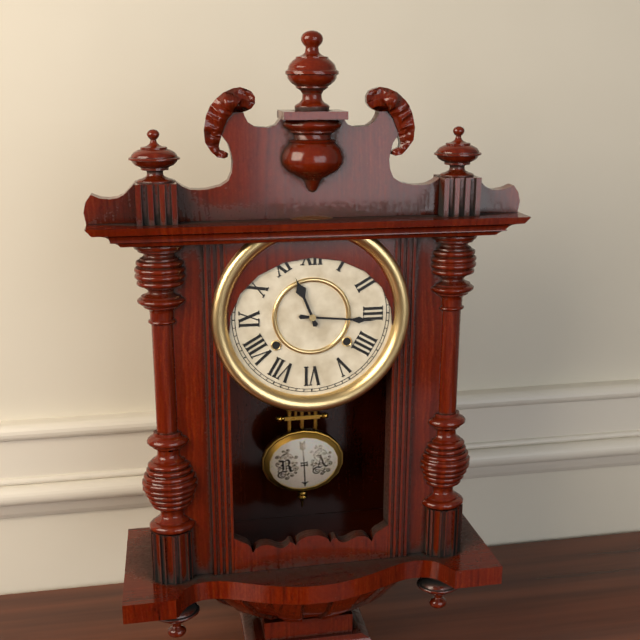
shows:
11,16
